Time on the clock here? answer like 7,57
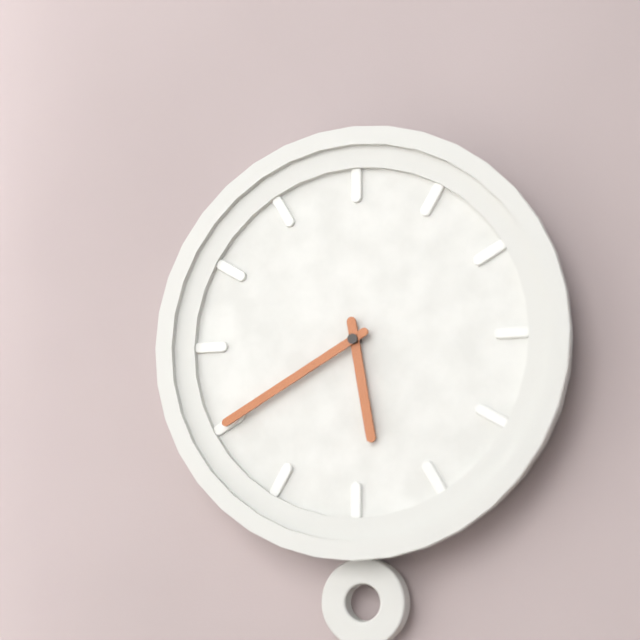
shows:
5,40
